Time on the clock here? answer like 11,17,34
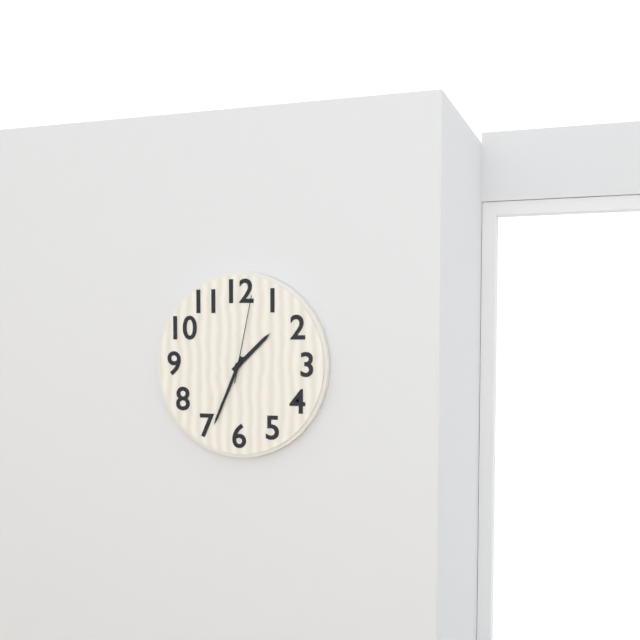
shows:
1,34,02
